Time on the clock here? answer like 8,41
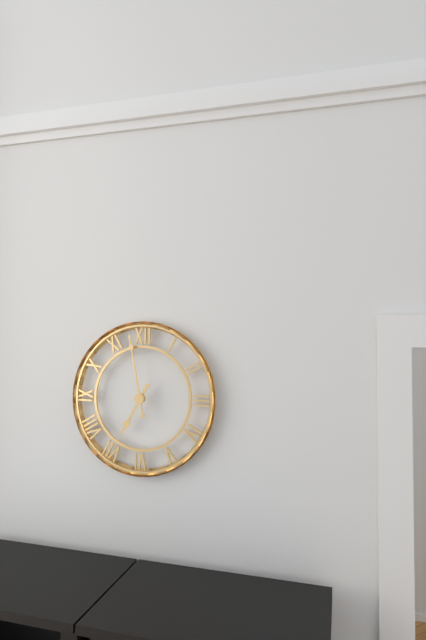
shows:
6,58
